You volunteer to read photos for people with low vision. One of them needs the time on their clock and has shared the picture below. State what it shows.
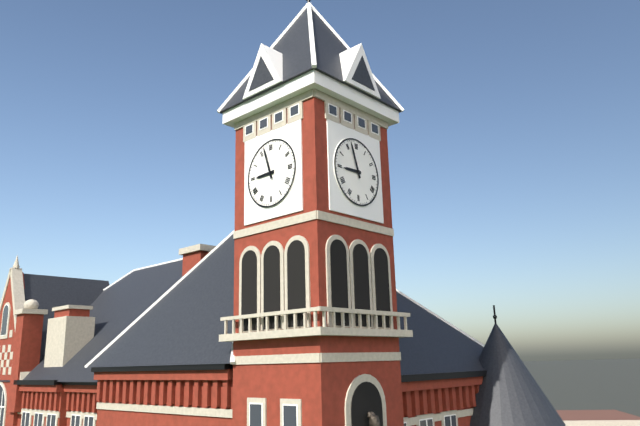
8:57
